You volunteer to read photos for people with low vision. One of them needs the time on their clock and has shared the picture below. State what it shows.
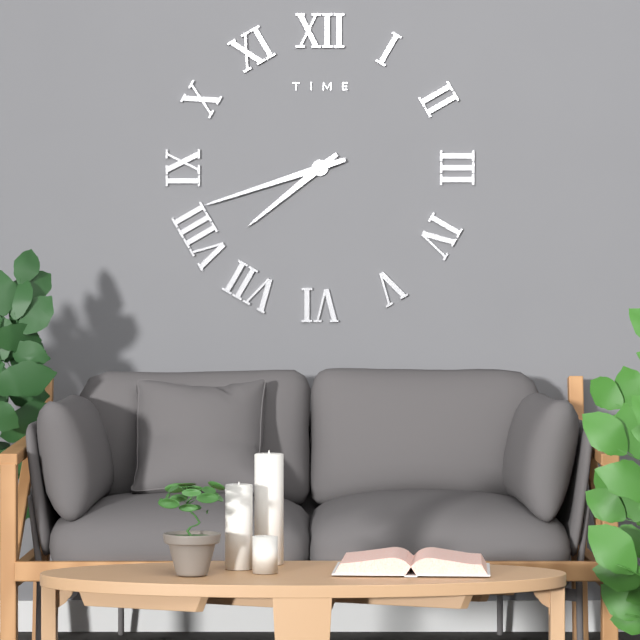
7:42
